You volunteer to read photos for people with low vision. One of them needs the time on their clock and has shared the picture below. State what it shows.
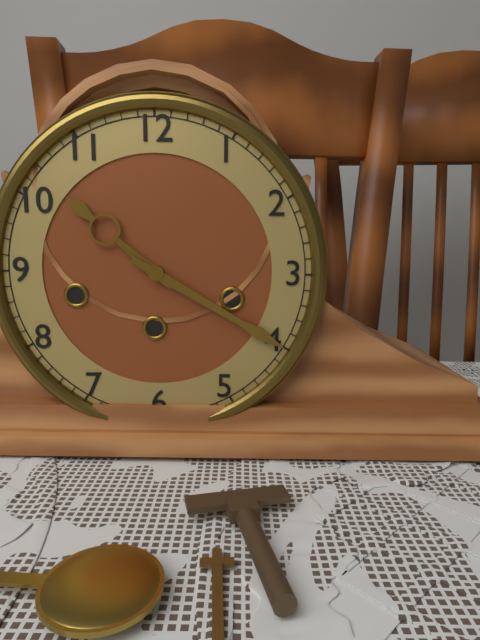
10:20
